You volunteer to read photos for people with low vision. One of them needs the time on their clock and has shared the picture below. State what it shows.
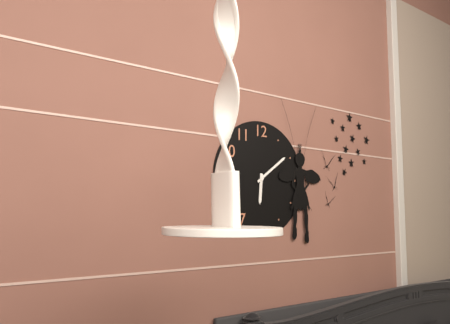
6:09
